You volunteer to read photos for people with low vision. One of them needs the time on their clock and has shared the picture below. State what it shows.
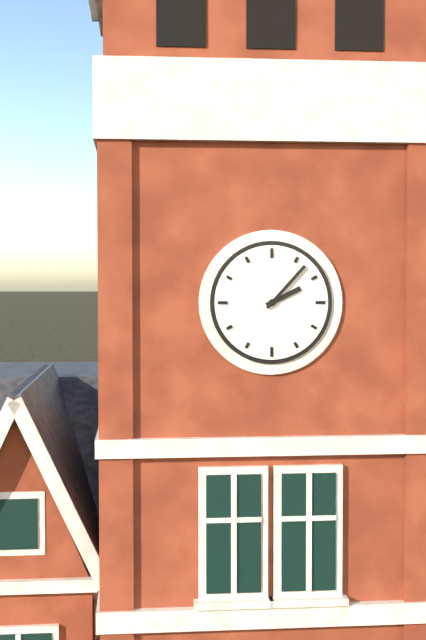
2:07
